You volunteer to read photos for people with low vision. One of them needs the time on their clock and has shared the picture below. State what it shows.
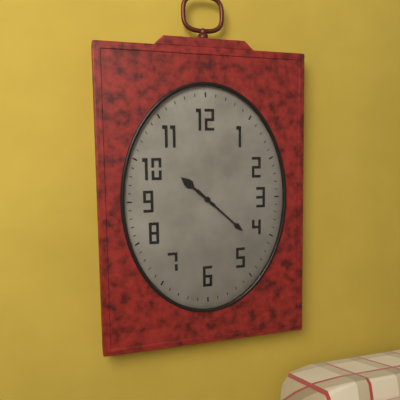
10:22
